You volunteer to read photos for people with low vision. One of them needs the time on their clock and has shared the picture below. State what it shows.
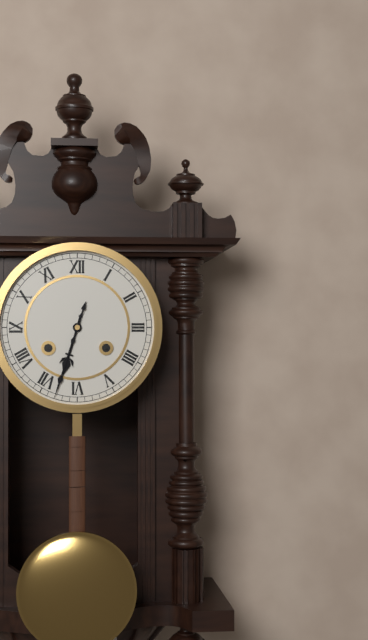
6:33
